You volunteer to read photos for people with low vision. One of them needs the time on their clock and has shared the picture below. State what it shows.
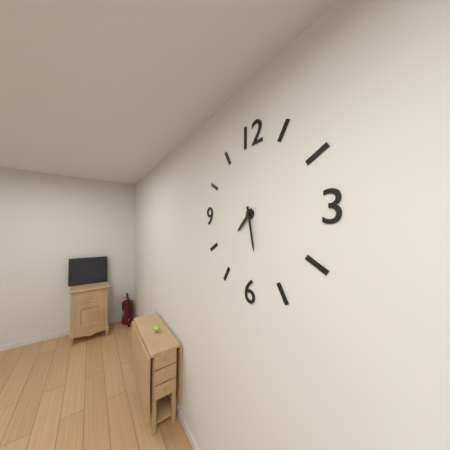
7:28
